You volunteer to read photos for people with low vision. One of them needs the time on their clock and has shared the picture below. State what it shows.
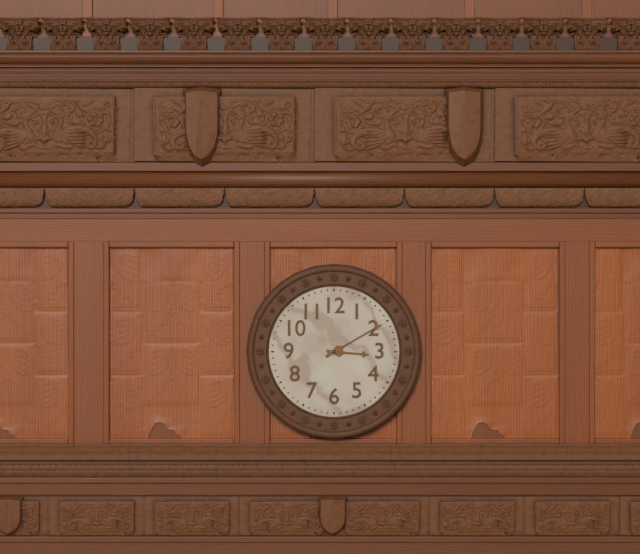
3:10
